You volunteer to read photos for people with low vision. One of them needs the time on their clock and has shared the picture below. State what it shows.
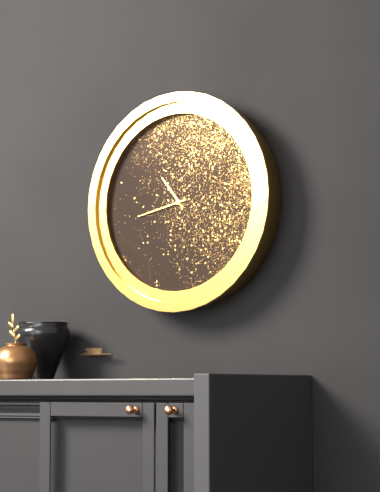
10:43
